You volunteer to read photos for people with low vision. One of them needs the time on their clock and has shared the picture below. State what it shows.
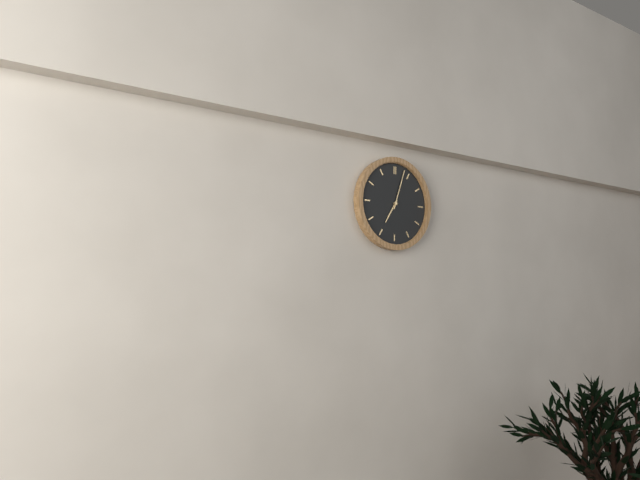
7:03
